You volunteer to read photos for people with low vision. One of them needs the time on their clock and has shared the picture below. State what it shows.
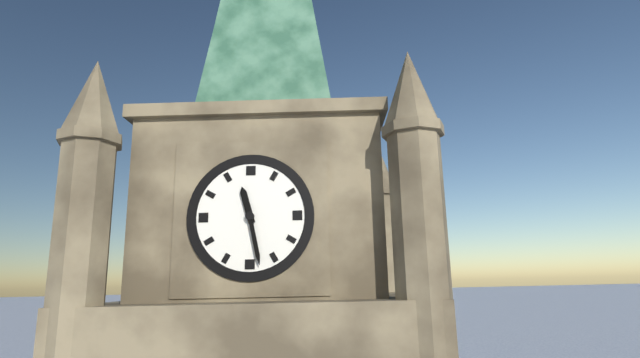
11:28
